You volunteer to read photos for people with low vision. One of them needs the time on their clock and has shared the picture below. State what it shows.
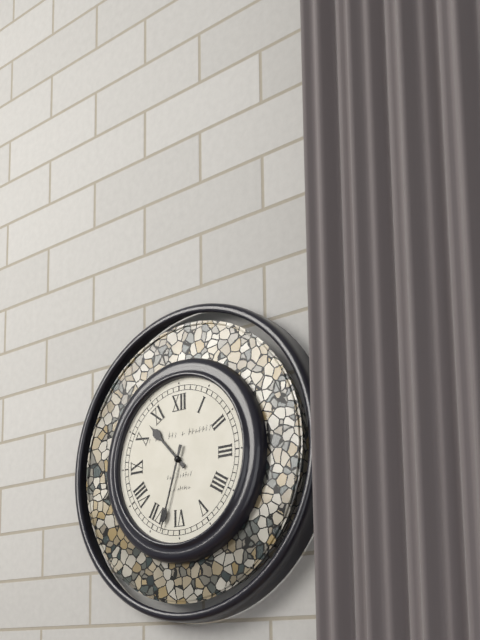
10:33
